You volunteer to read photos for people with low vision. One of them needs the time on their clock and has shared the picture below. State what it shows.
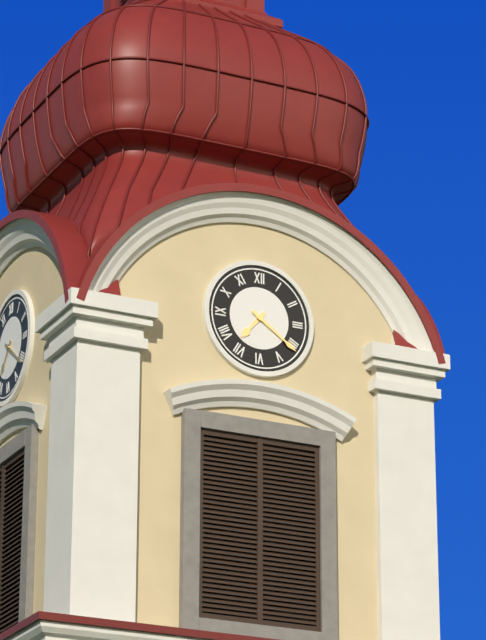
7:21
